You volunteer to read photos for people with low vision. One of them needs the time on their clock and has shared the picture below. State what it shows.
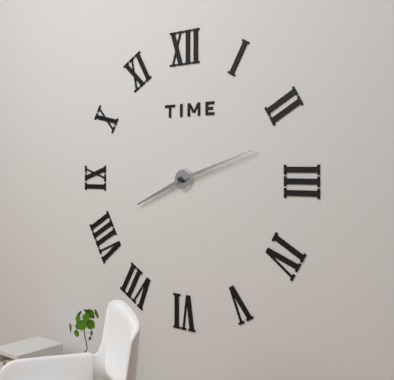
8:12
